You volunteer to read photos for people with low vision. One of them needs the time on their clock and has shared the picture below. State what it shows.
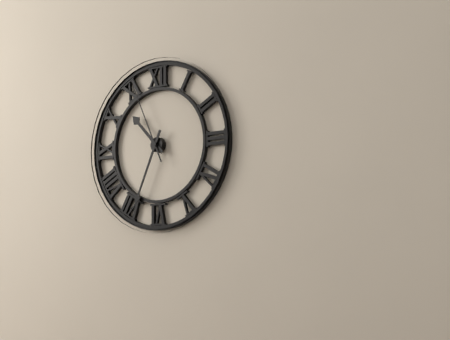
10:34:56
